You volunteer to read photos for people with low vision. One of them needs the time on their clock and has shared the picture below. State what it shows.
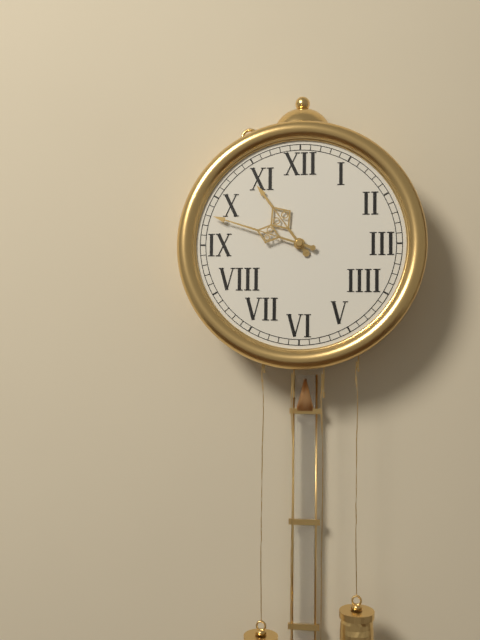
10:48
